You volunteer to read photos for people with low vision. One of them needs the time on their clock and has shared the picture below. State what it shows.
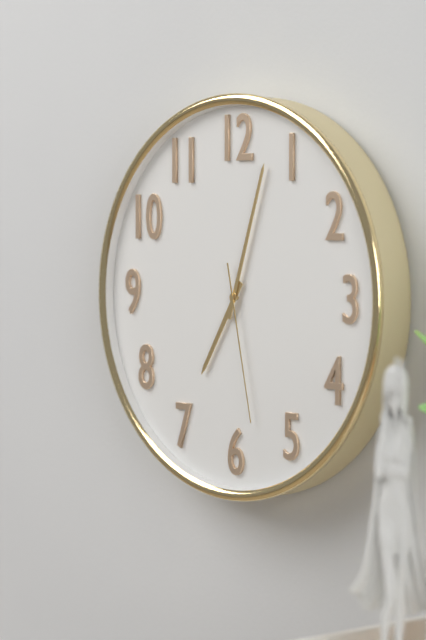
7:03:28
